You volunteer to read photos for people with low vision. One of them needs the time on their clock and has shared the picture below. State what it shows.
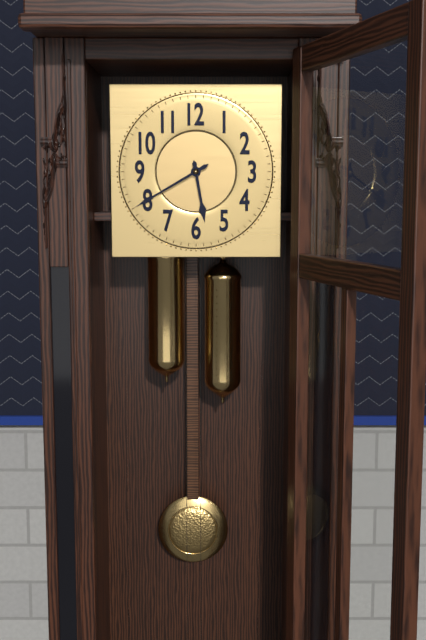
5:40
